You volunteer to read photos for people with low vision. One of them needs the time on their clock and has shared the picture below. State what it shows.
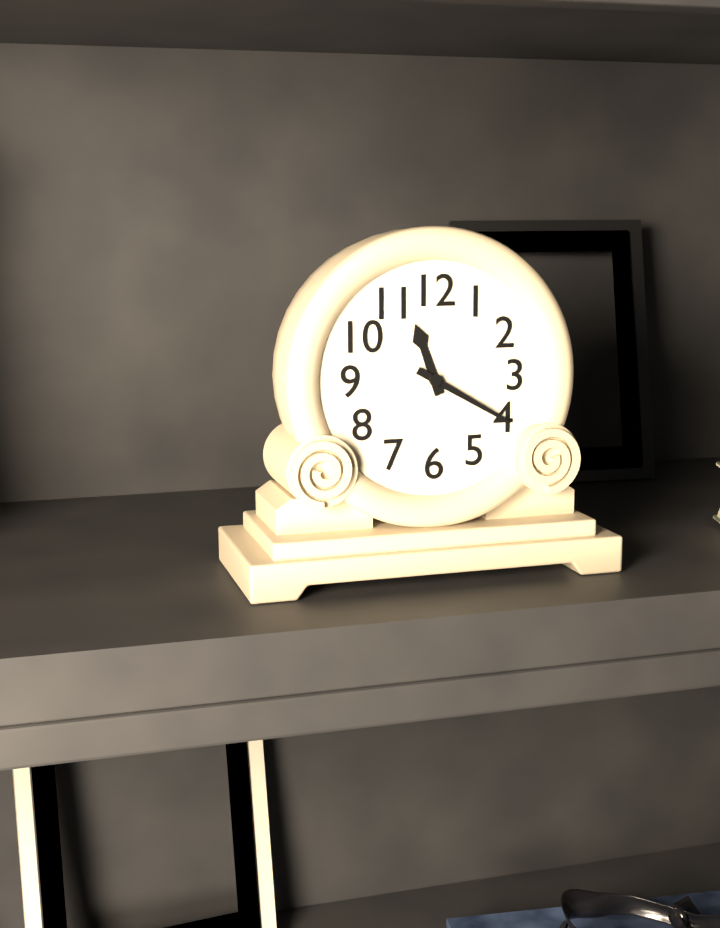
11:20
